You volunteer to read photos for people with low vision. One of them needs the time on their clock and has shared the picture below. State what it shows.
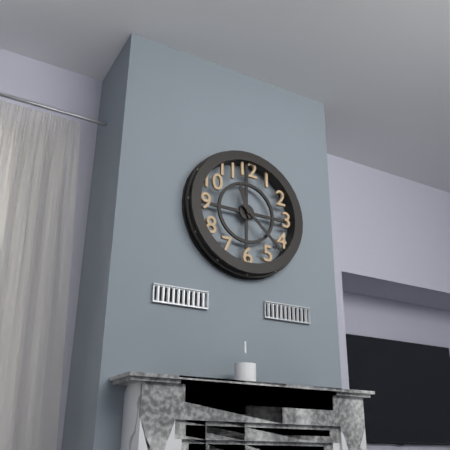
11:22
